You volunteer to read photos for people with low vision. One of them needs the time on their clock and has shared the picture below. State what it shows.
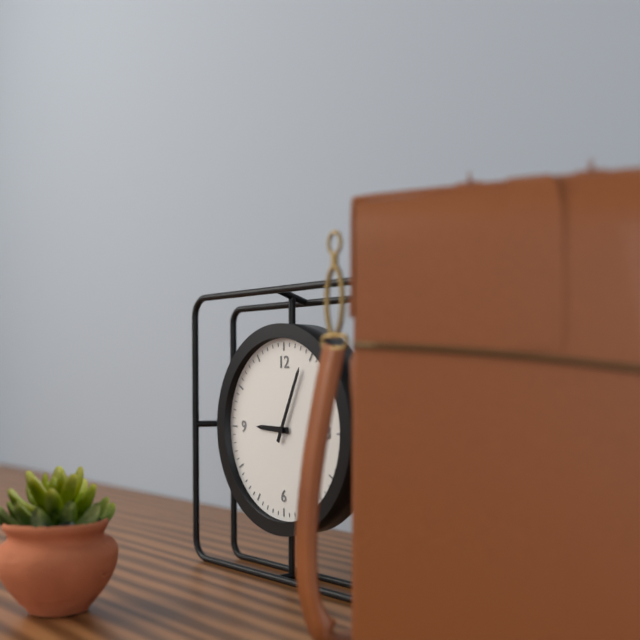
9:04
